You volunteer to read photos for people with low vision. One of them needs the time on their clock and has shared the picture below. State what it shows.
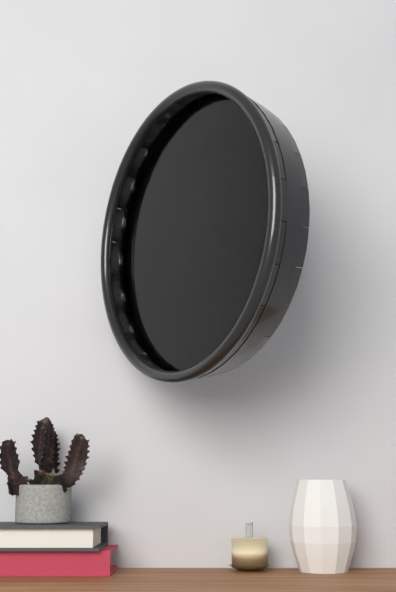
10:59
